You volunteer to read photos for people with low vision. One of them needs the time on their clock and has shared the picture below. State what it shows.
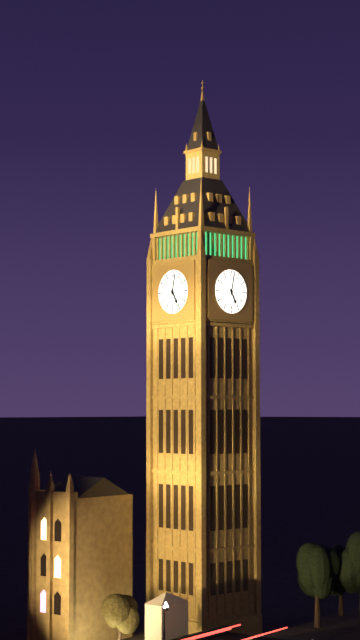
5:02
